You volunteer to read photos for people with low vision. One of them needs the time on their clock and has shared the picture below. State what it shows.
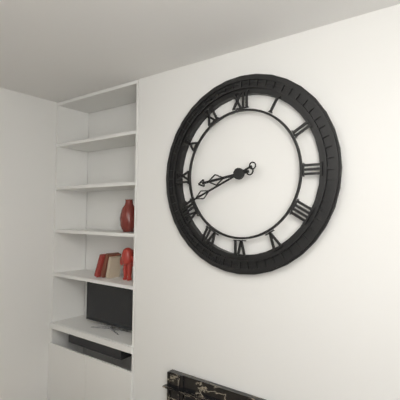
8:41
